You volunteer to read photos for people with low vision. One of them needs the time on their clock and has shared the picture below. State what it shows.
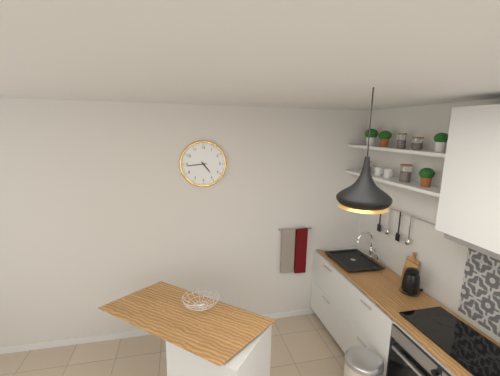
4:44
